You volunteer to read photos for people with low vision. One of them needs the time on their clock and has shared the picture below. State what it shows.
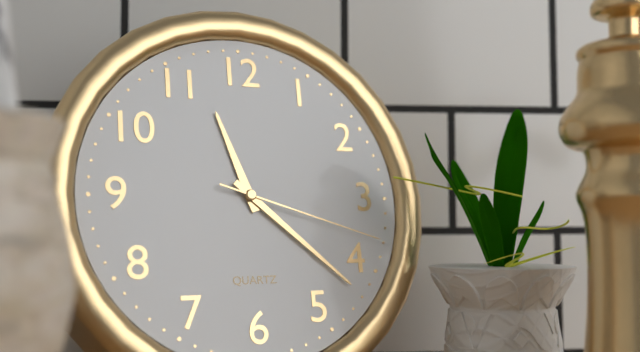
11:22:18
